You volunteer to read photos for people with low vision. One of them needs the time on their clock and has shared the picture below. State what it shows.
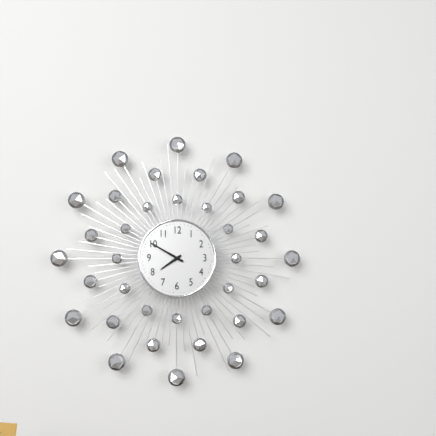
7:50
